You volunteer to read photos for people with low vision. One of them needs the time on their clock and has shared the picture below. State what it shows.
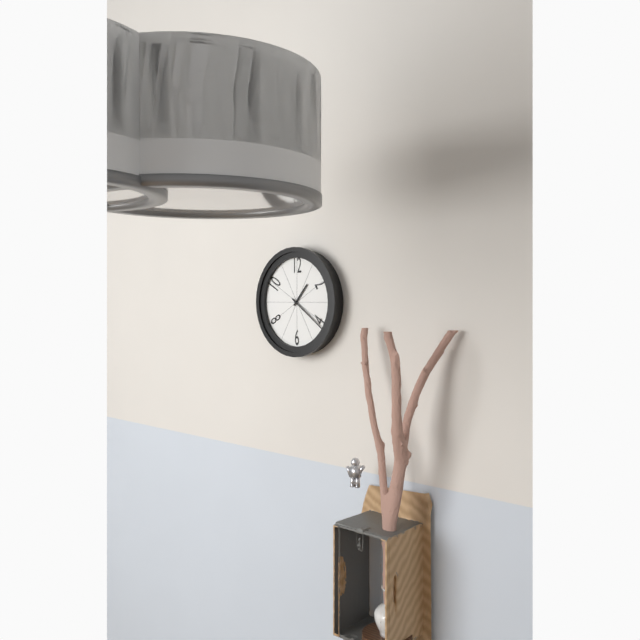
1:21
